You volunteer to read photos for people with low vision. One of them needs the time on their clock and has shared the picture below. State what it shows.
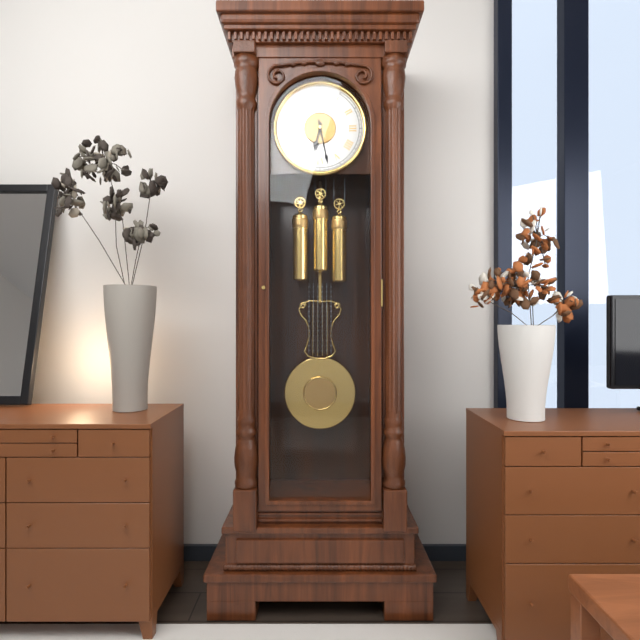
6:28
